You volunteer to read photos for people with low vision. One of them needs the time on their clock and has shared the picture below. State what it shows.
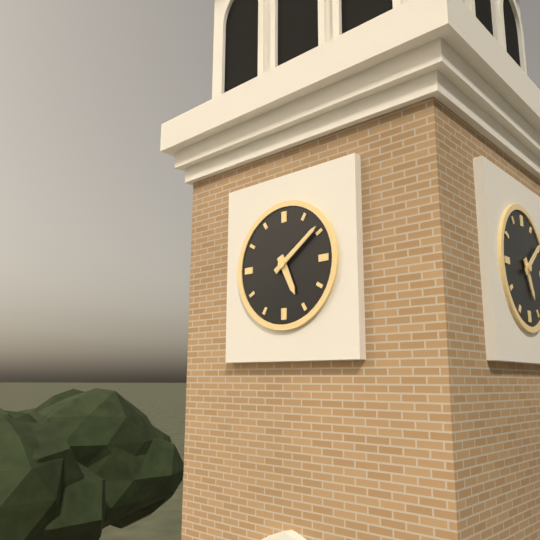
5:09
